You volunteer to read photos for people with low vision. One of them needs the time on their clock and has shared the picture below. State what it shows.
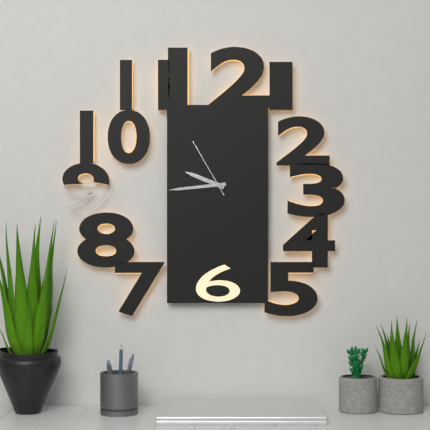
9:44:55
